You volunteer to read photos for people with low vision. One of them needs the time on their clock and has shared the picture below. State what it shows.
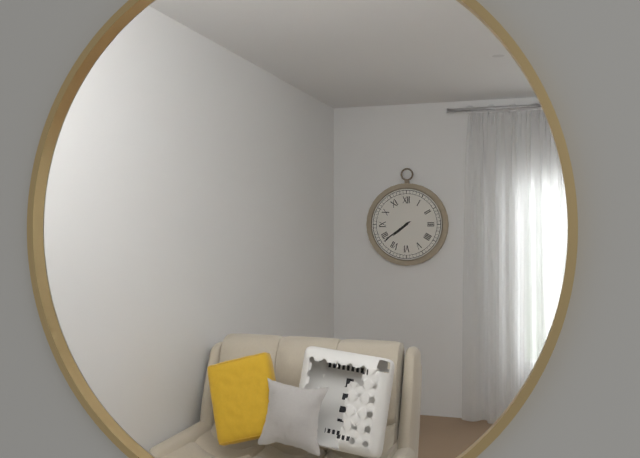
7:39
